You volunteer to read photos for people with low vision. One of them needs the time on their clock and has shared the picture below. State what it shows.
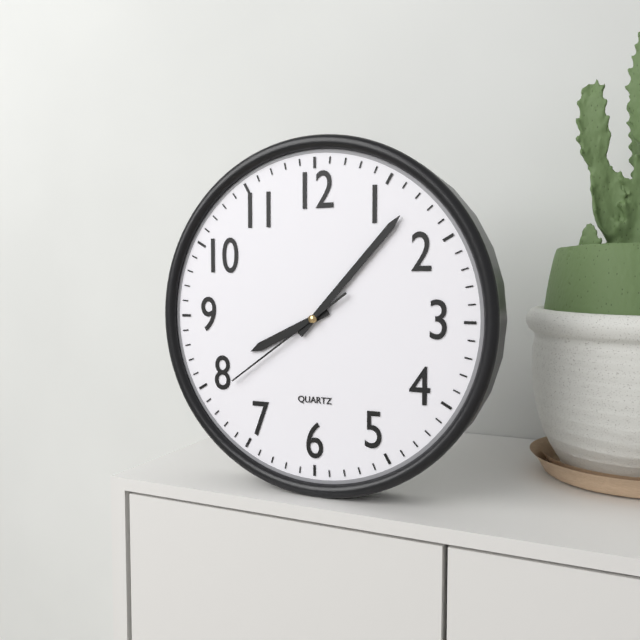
8:07:39
